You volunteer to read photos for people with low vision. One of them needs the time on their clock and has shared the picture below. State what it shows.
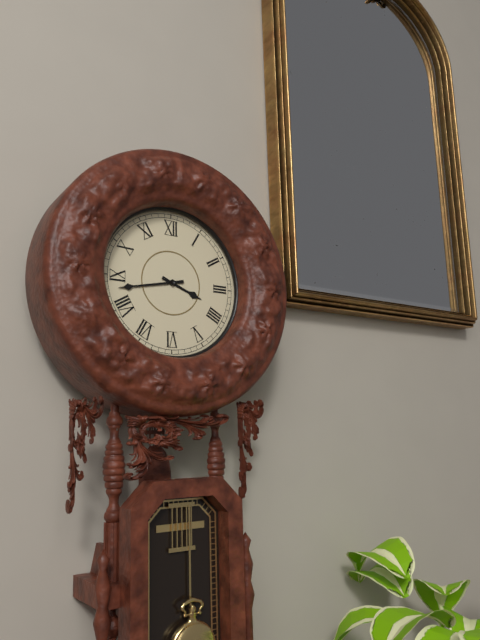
3:43
